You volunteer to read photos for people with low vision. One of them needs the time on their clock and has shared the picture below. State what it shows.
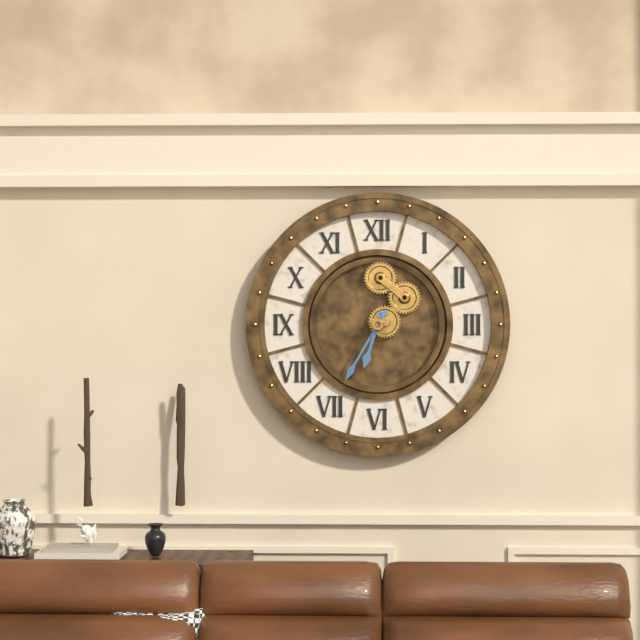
6:35
